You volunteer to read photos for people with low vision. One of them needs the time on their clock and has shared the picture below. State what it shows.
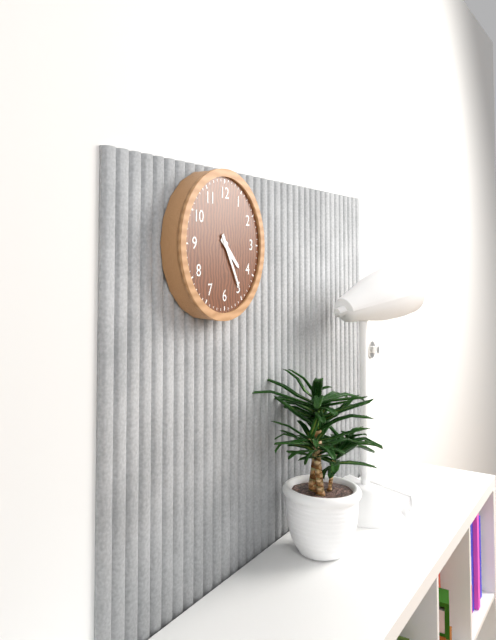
4:25
